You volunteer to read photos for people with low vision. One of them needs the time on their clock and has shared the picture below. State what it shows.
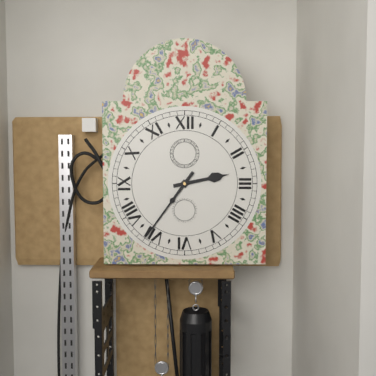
2:36
